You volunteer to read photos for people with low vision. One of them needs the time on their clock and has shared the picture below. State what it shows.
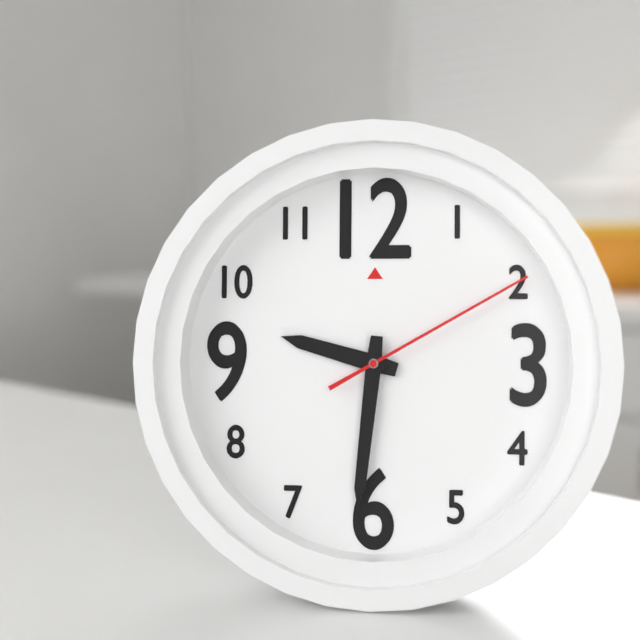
9:31:10
